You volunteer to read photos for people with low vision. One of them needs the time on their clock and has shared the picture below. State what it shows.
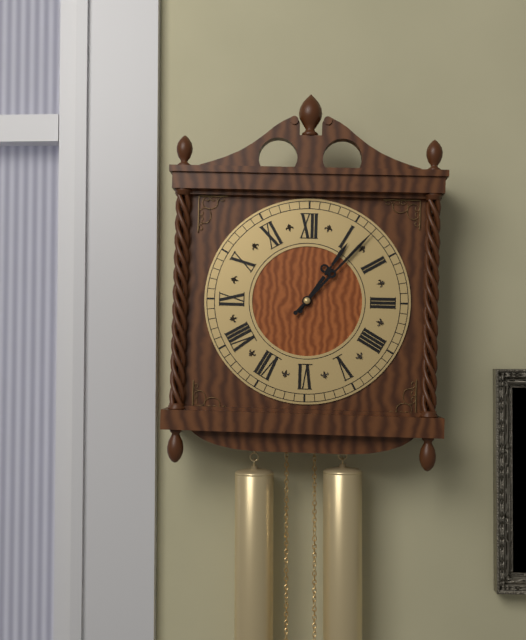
1:07
